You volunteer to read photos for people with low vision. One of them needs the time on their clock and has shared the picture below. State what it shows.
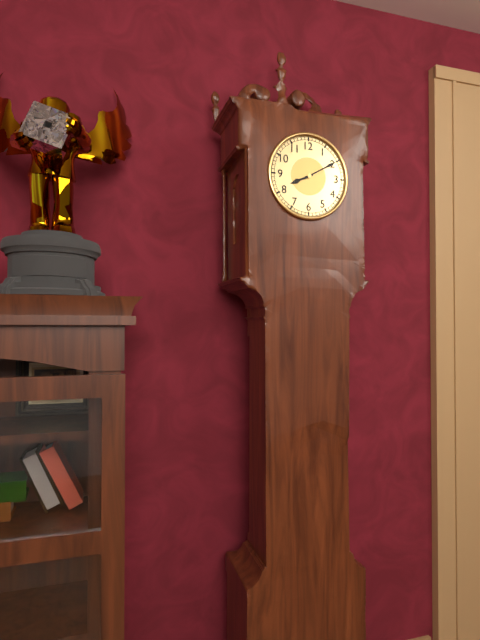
8:10
